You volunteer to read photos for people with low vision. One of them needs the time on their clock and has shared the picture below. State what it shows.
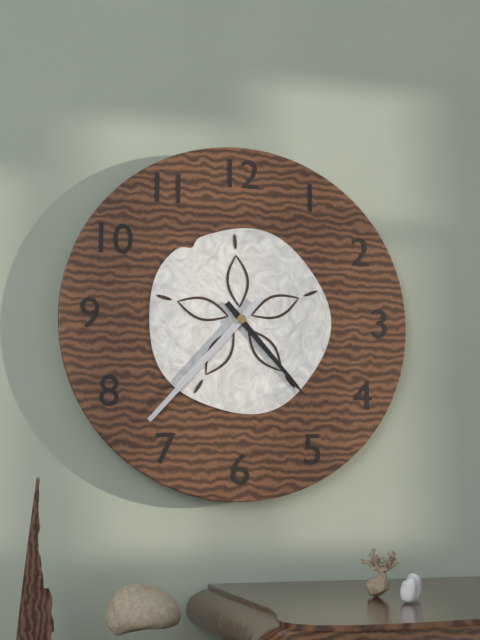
4:37
